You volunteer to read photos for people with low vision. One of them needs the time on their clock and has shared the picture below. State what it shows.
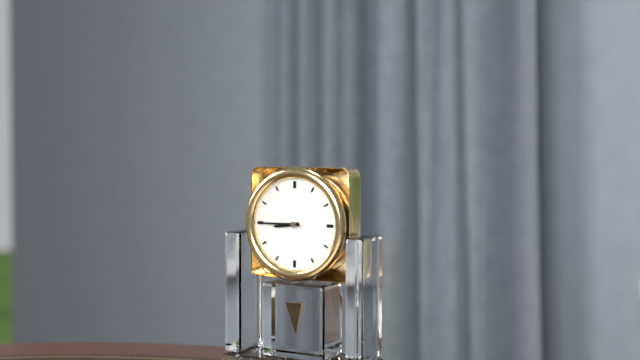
8:45
